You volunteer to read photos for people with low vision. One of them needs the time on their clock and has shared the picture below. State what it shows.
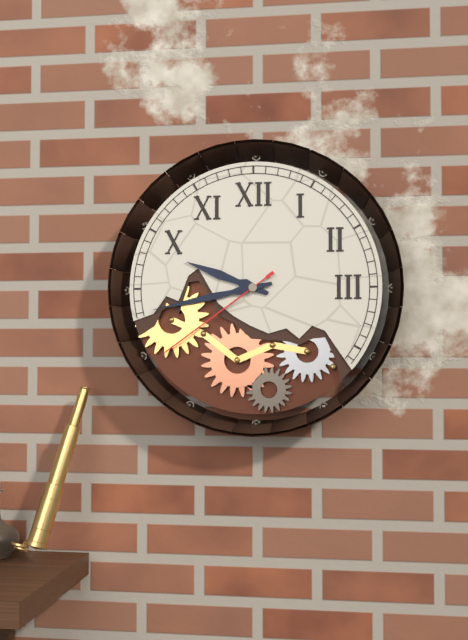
9:43:39
